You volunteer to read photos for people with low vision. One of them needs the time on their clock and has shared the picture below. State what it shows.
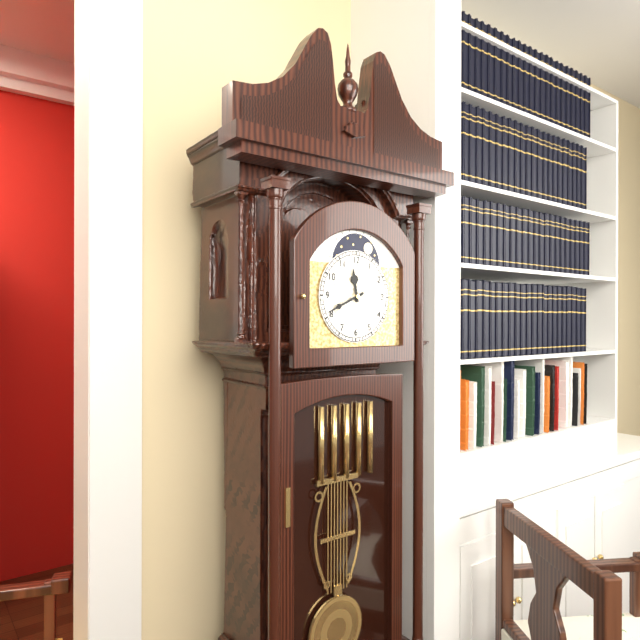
11:41
